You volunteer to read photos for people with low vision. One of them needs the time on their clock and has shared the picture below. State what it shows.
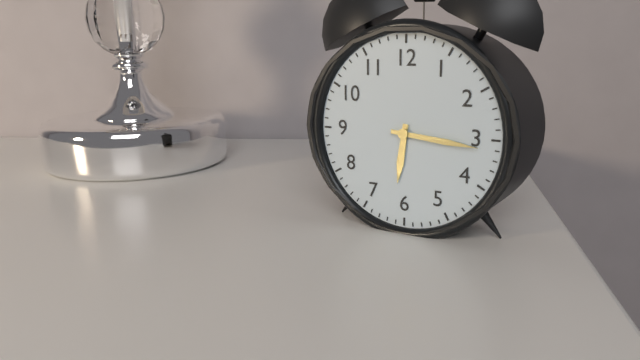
6:16
